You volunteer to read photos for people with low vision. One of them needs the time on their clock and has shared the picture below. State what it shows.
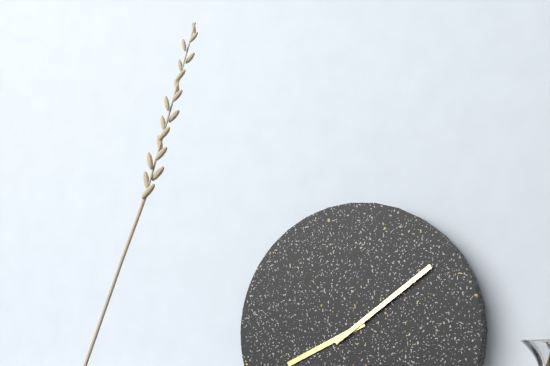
8:09
